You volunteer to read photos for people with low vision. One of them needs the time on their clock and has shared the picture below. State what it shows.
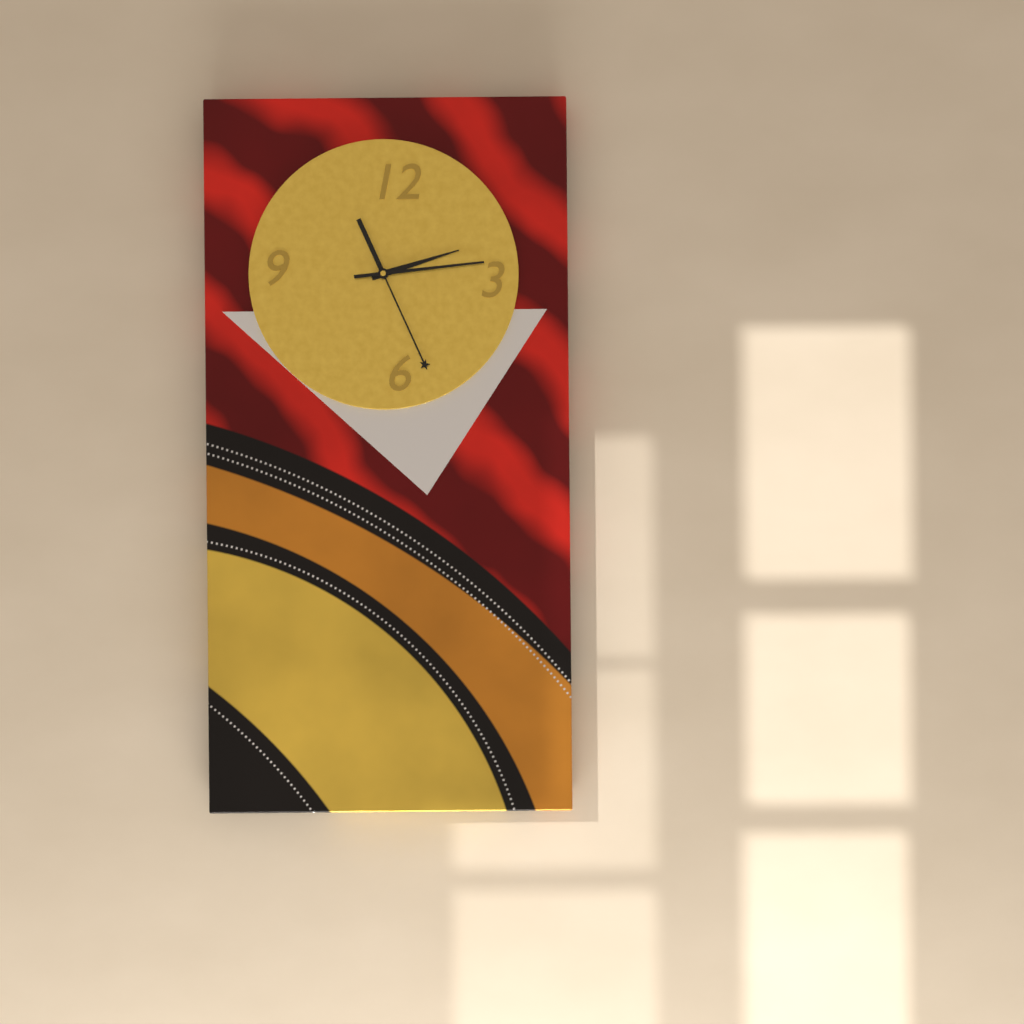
2:26:14
